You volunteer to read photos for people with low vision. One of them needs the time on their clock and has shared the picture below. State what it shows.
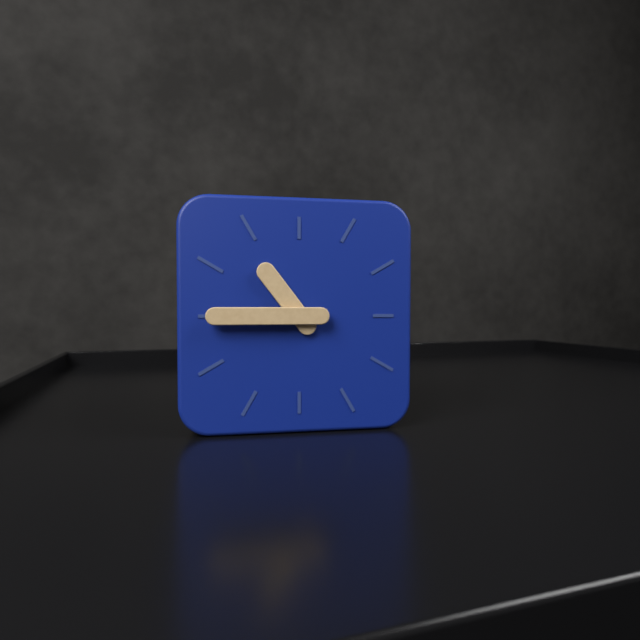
10:45
